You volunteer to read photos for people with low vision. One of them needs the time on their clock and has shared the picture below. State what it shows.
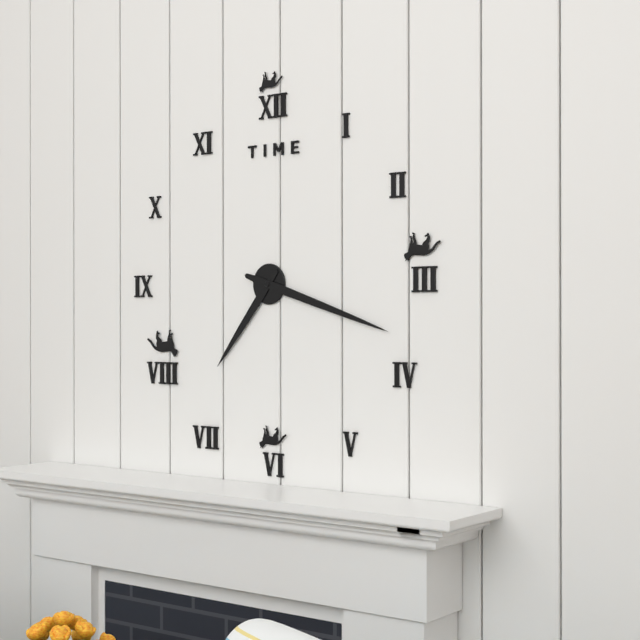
7:18
